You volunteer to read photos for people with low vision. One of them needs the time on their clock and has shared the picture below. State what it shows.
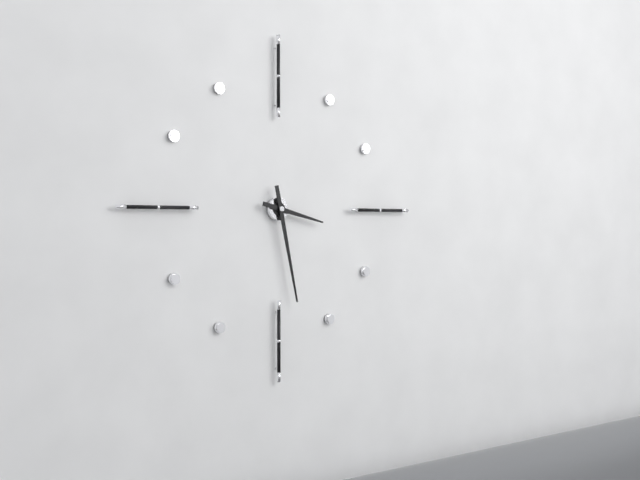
3:28
